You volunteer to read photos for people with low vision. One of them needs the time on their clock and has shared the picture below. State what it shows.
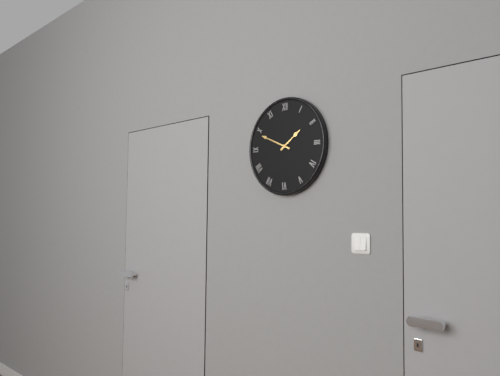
1:49
